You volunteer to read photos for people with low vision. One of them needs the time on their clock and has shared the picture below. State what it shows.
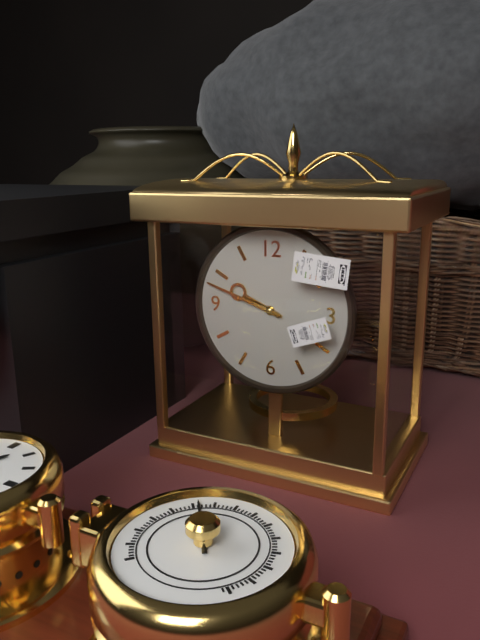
9:48
